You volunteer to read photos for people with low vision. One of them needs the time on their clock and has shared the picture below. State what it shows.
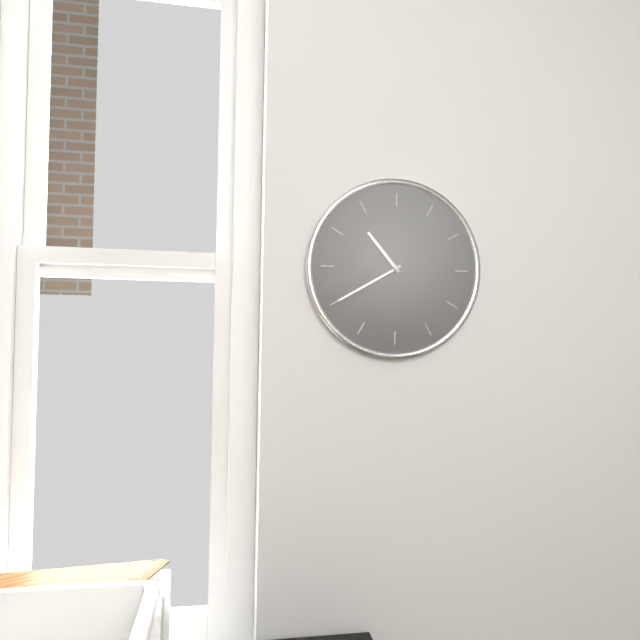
10:40
